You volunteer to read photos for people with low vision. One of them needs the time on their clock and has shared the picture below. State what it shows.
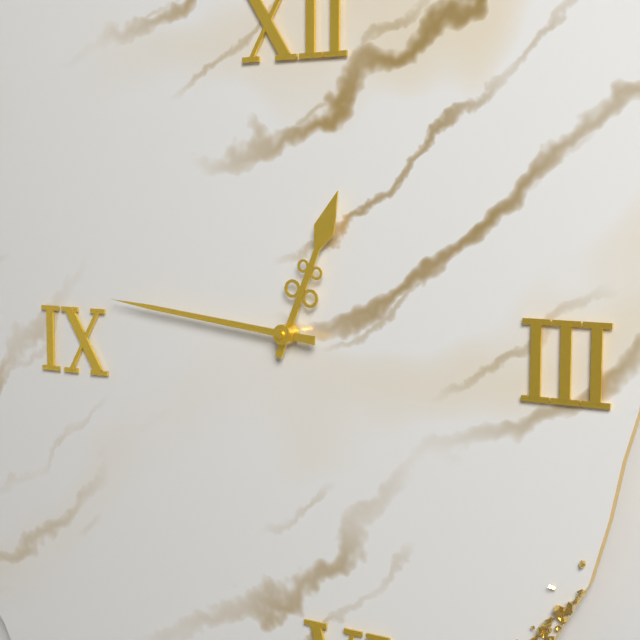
12:46
